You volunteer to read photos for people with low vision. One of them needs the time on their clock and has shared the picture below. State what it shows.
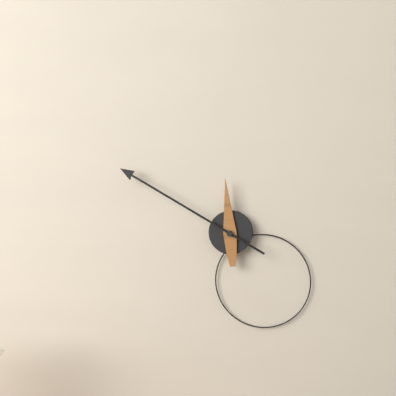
11:50
